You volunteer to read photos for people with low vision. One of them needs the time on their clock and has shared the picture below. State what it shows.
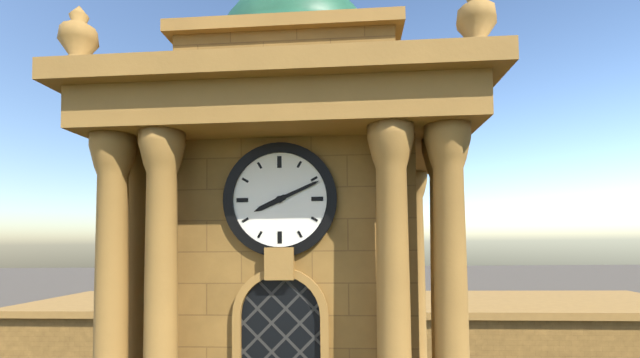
8:11
